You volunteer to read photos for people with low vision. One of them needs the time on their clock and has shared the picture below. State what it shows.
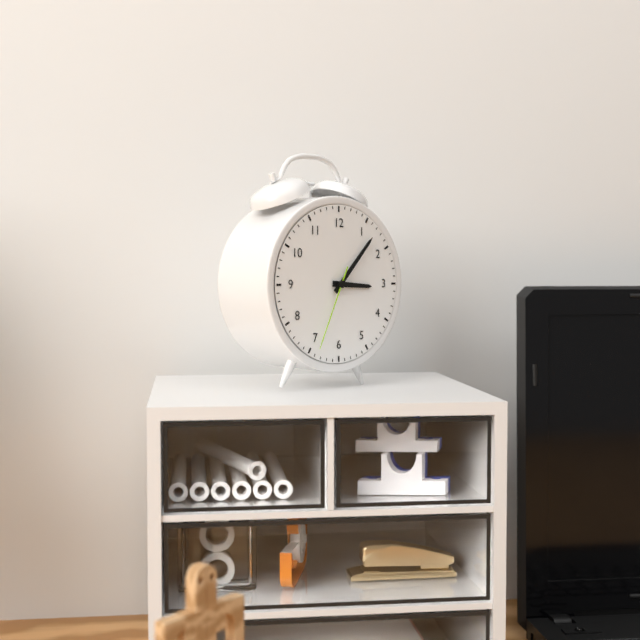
3:07:34
